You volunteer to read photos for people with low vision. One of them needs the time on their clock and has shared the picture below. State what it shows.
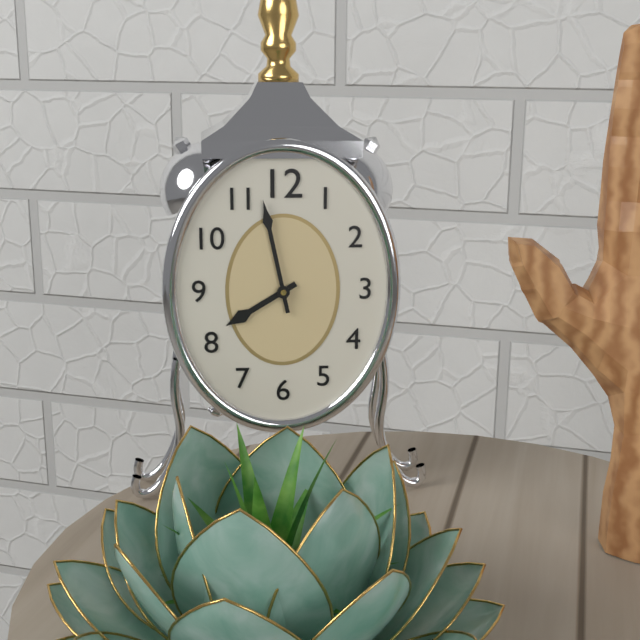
7:58
